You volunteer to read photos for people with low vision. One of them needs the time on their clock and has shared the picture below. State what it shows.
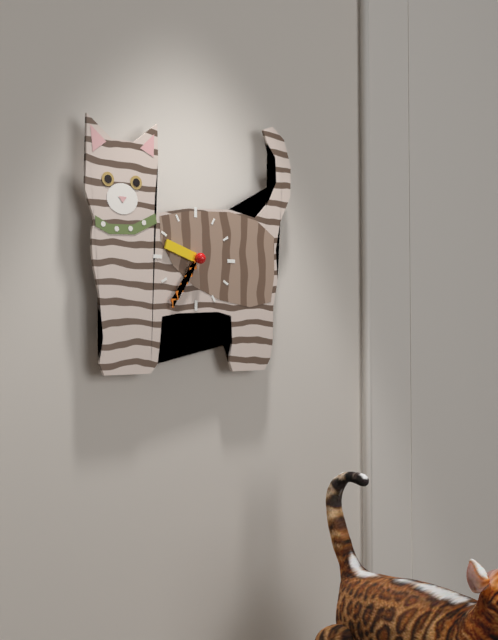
9:36
